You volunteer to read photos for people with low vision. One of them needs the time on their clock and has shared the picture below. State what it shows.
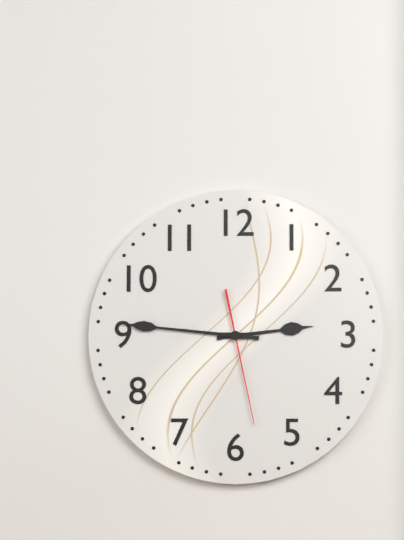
2:46:28
